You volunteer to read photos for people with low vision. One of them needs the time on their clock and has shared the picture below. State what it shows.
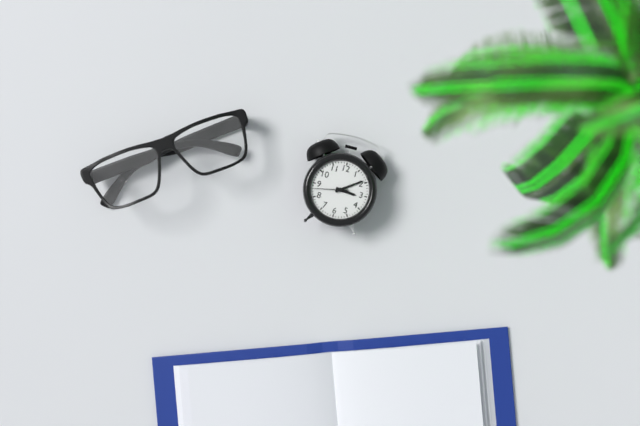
3:09
